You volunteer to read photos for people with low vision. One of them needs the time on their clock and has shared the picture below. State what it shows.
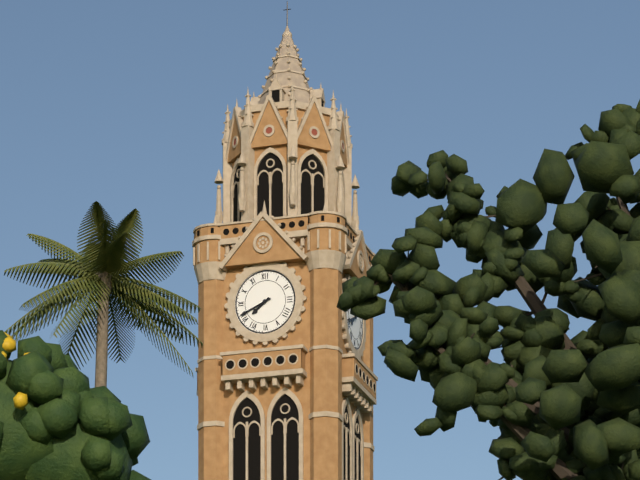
7:41
